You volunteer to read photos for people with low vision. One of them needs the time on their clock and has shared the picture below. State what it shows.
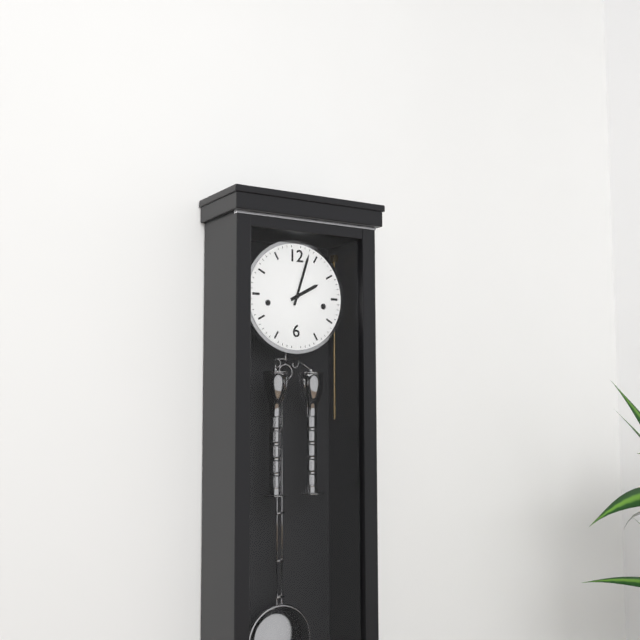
2:03
